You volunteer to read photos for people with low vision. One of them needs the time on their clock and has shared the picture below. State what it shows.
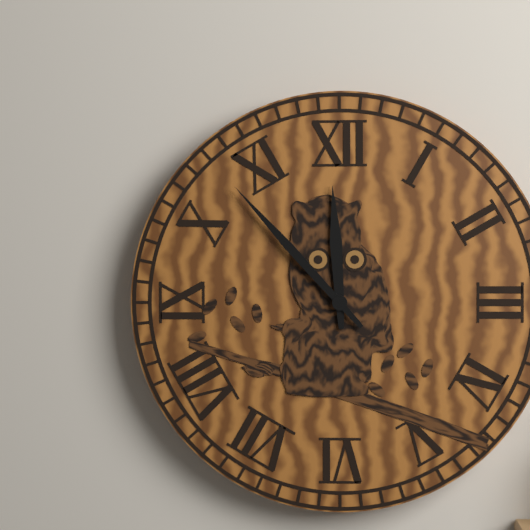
11:53
